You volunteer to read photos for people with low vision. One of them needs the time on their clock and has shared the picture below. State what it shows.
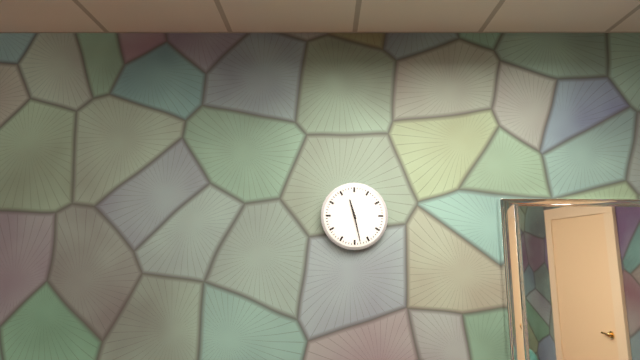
11:28
